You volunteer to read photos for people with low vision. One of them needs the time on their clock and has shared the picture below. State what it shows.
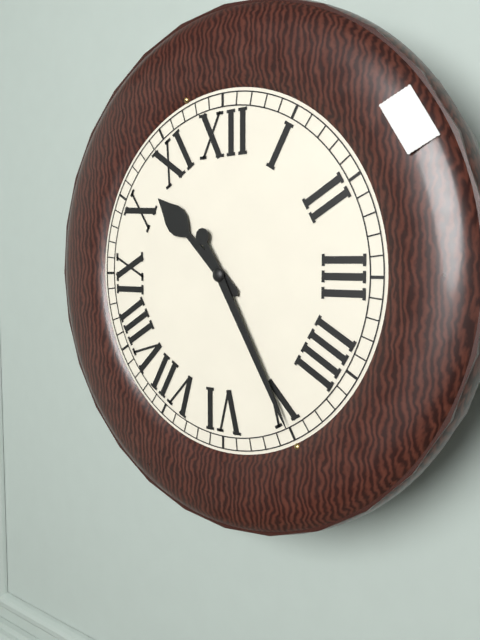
10:25
